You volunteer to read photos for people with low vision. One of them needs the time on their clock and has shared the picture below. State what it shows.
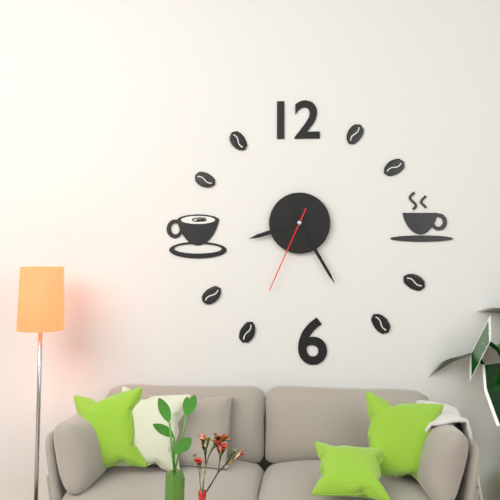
8:25:34
